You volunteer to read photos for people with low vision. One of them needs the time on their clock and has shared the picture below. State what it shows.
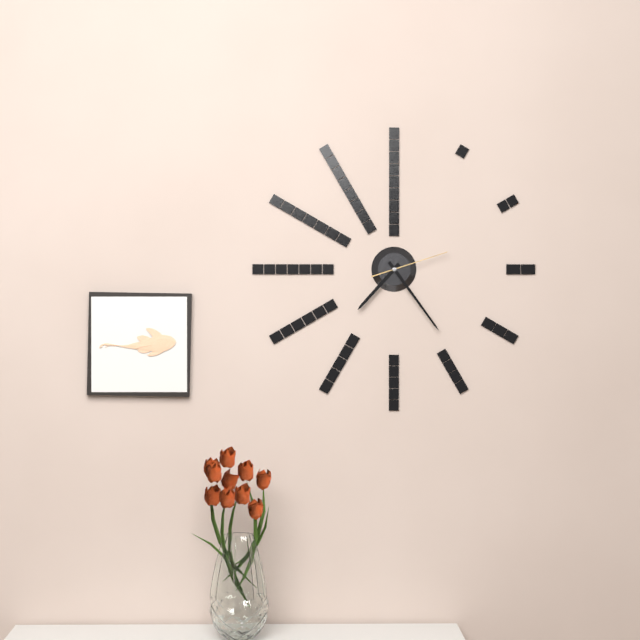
7:24:12
